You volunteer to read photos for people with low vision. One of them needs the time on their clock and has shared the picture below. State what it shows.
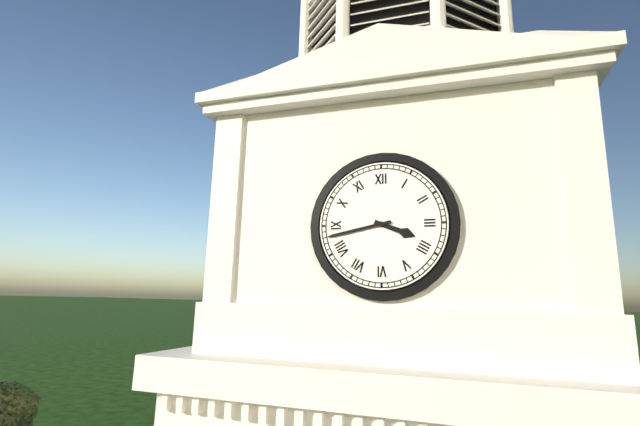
3:43
